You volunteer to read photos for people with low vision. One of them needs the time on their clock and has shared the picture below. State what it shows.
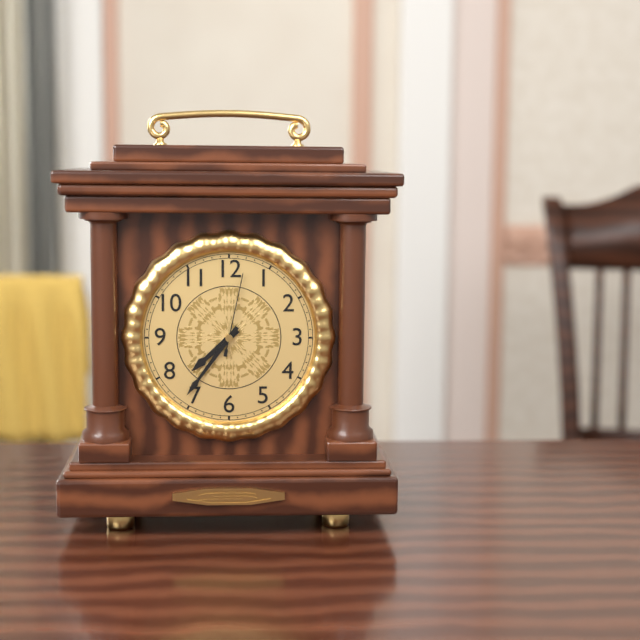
7:36:02
